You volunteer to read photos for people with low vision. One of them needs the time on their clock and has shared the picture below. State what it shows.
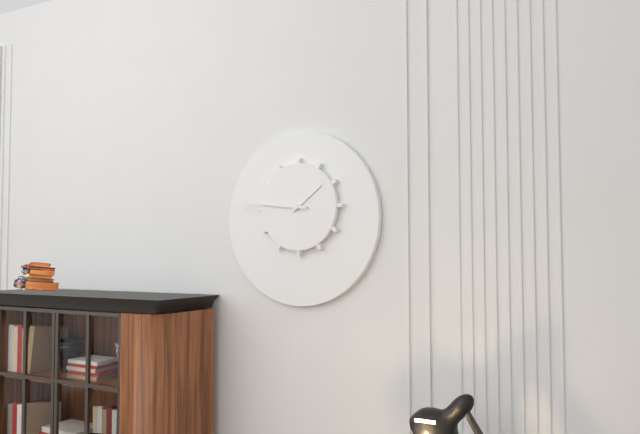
1:46
